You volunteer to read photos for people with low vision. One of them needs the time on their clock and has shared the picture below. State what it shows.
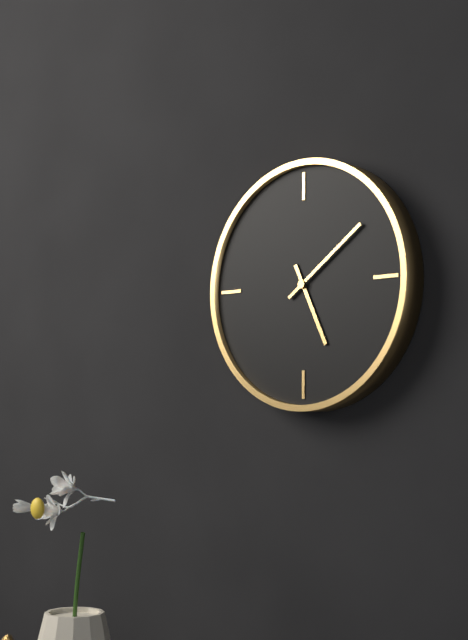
5:09
